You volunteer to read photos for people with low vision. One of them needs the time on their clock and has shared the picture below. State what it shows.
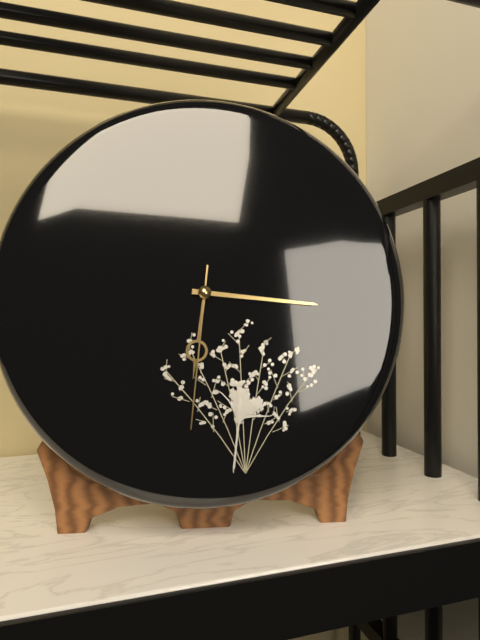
6:16:31
